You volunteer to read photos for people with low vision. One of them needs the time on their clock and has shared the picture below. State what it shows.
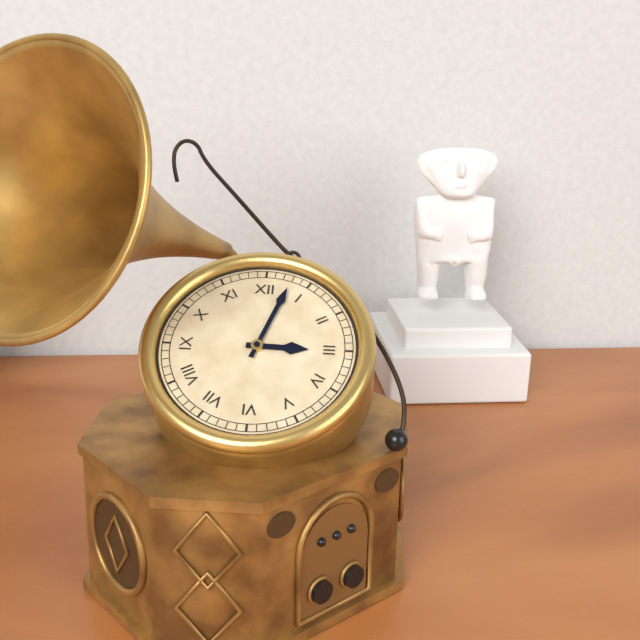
3:03
